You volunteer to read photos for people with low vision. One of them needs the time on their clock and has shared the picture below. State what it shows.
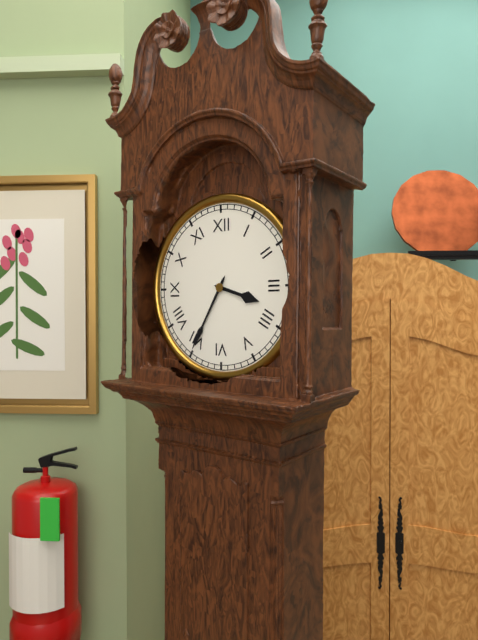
3:35
